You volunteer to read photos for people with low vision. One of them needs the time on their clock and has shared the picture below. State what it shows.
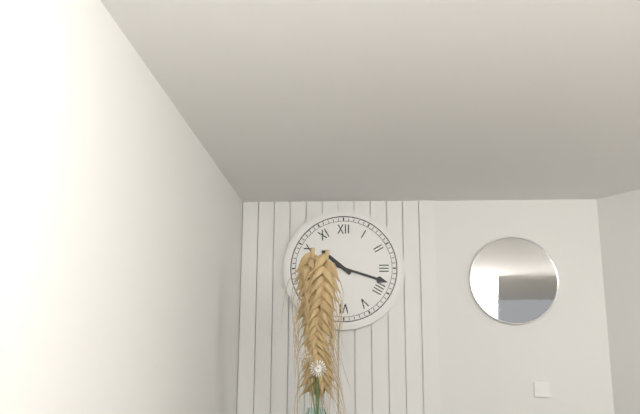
10:18
